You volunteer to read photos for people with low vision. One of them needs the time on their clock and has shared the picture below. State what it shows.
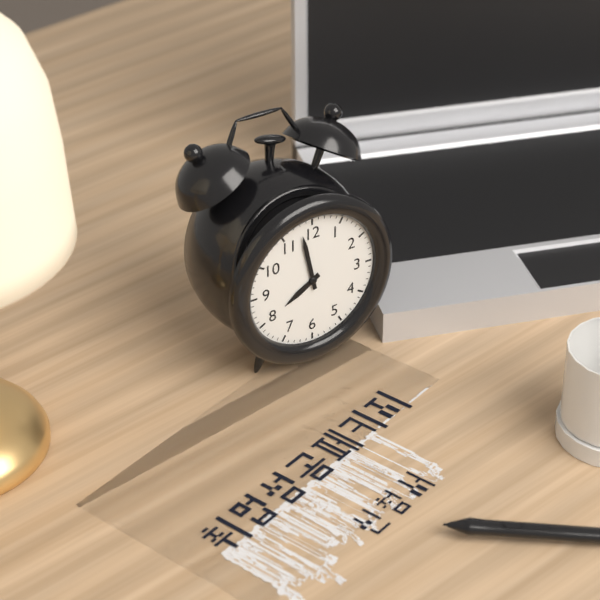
7:58
